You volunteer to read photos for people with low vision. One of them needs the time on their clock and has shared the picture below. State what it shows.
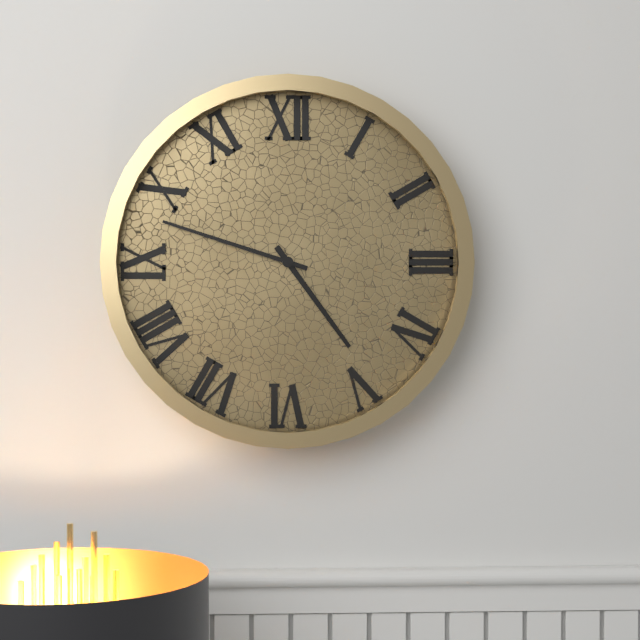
4:48
